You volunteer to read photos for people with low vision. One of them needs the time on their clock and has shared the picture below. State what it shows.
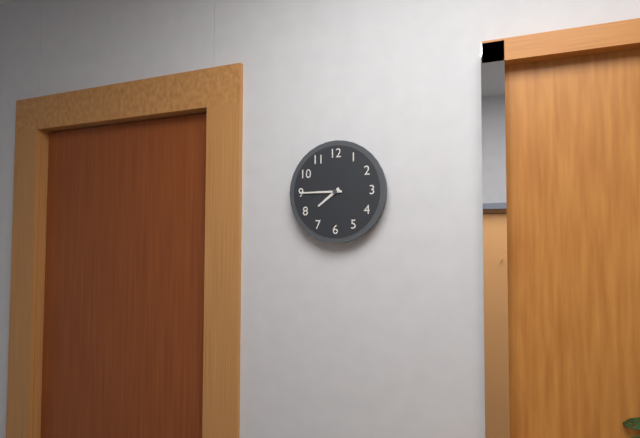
7:45
